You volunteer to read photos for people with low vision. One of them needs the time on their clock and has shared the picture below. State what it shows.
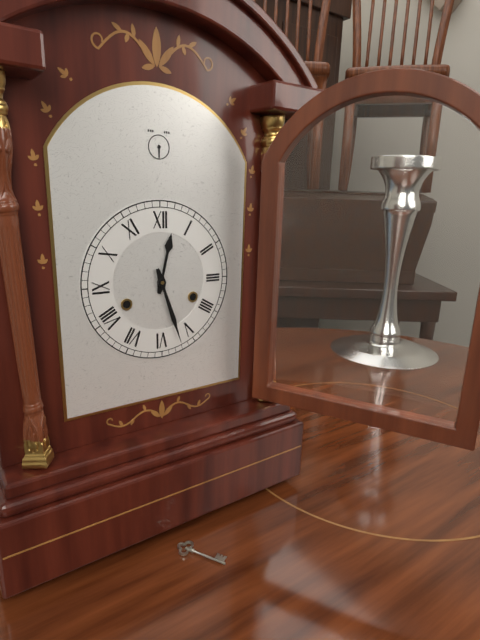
12:27
